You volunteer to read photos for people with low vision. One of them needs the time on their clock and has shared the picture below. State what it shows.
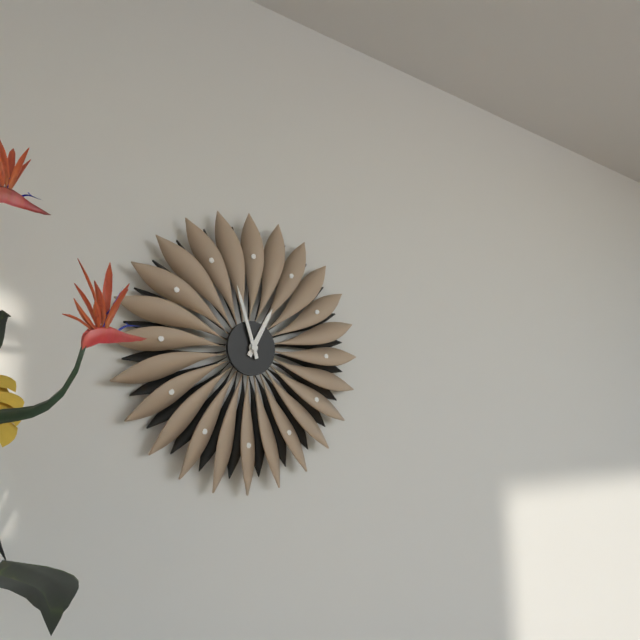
12:57
